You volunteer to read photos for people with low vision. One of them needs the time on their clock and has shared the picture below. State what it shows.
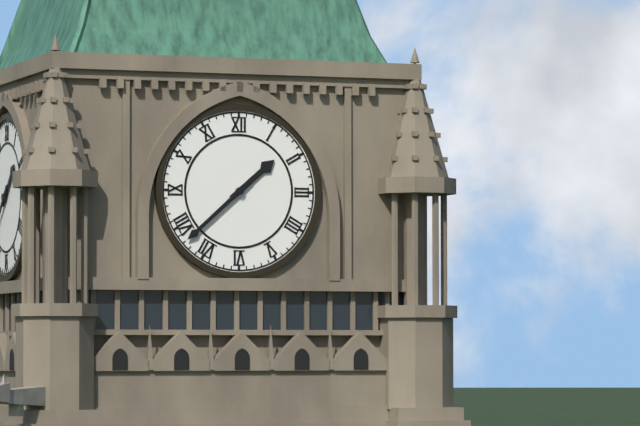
1:38
